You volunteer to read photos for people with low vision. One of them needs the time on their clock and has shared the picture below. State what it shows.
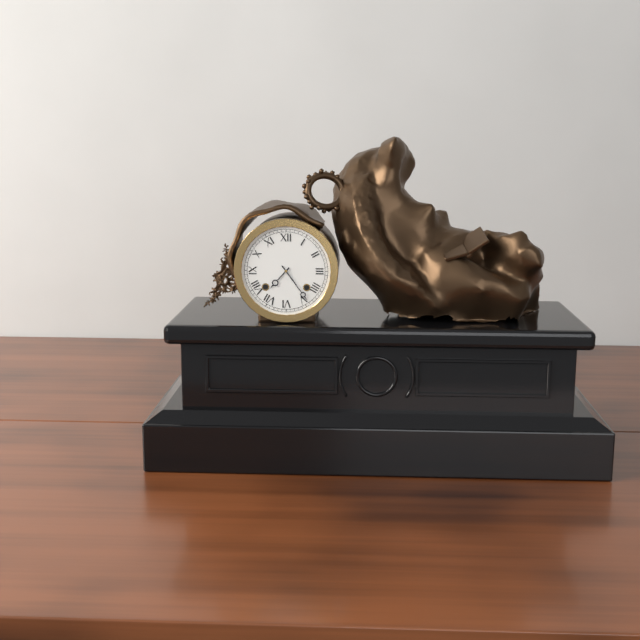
7:24
